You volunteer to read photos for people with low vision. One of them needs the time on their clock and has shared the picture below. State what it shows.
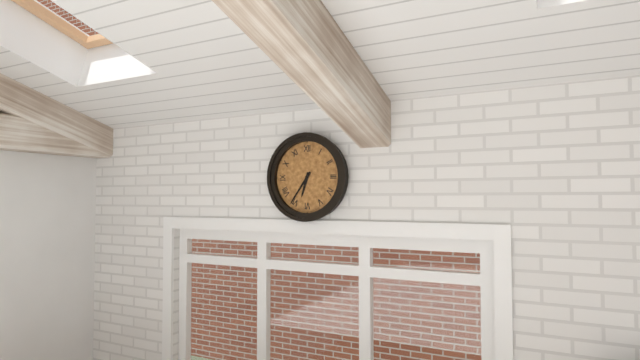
6:36
